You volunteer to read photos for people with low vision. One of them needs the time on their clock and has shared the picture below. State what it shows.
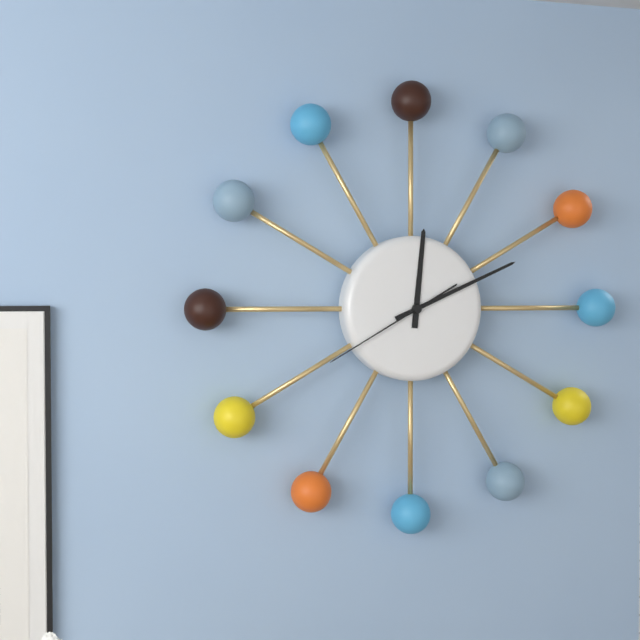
12:11:40
